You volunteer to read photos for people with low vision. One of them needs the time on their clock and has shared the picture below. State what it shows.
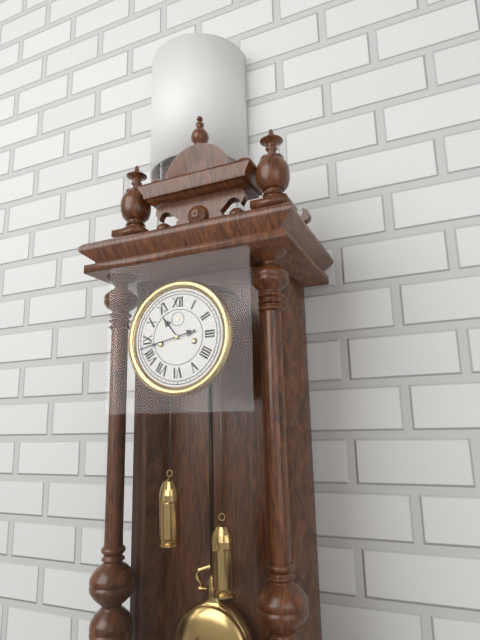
10:43
